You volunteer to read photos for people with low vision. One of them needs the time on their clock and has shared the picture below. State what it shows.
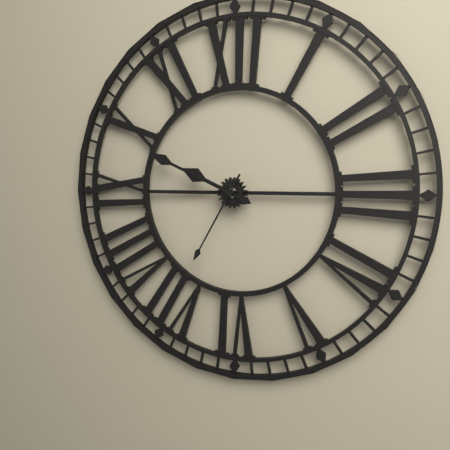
9:49:35
